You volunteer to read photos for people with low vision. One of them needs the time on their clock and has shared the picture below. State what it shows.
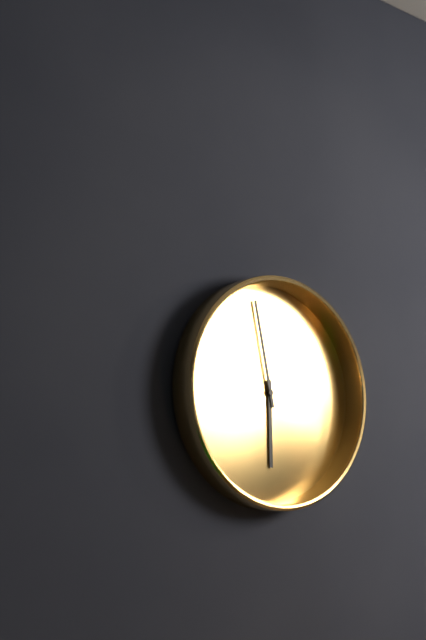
5:58
